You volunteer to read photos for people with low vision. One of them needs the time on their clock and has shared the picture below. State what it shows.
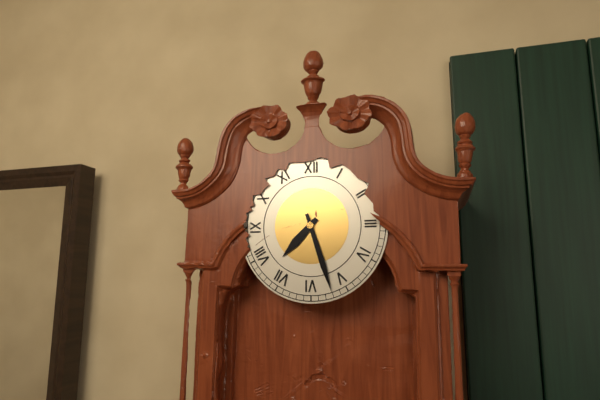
7:27
